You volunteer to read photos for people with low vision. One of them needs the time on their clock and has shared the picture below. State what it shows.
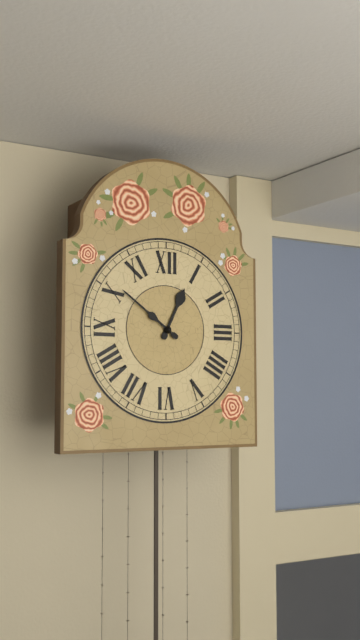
12:51
